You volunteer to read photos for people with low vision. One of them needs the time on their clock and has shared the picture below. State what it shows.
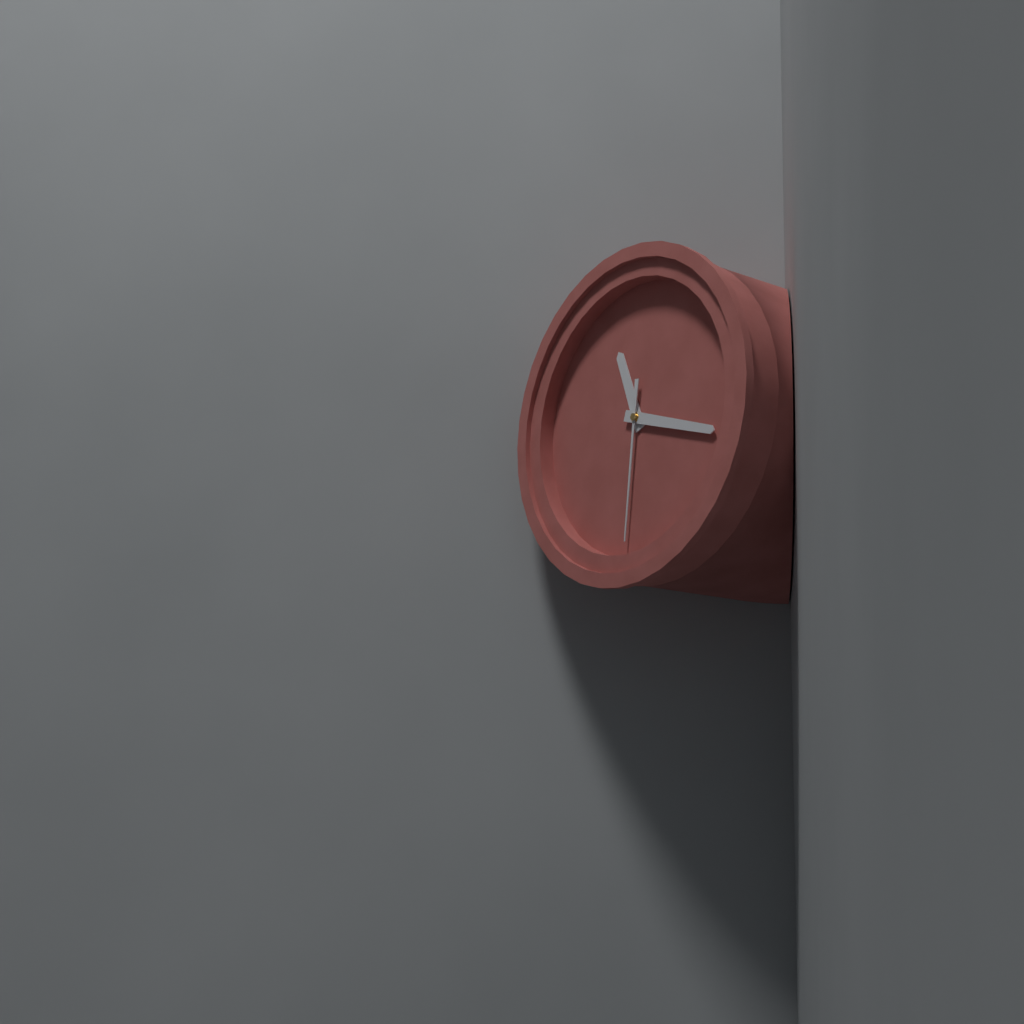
11:18:31
